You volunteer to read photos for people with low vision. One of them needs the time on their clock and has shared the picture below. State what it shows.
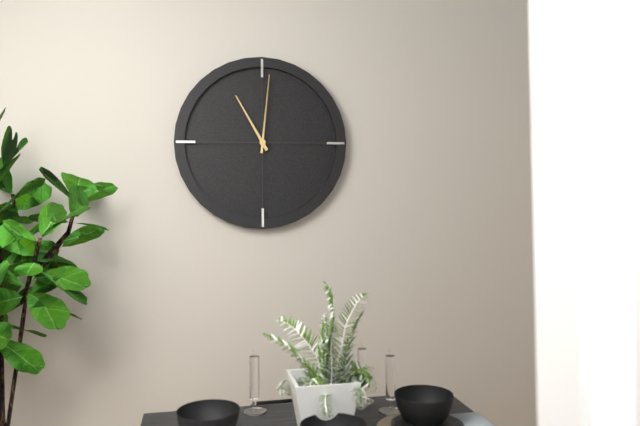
11:01
